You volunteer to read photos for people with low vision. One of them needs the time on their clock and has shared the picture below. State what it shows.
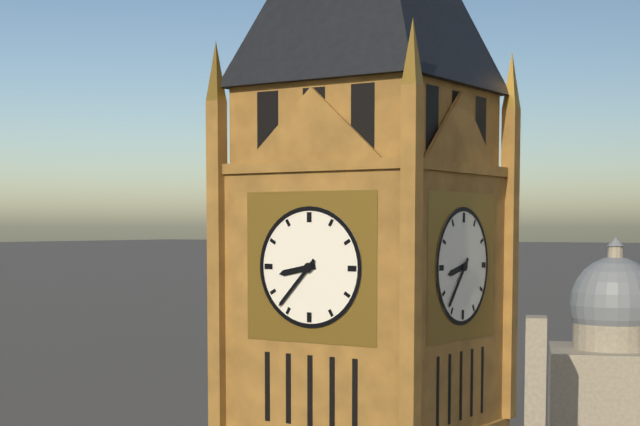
8:37
